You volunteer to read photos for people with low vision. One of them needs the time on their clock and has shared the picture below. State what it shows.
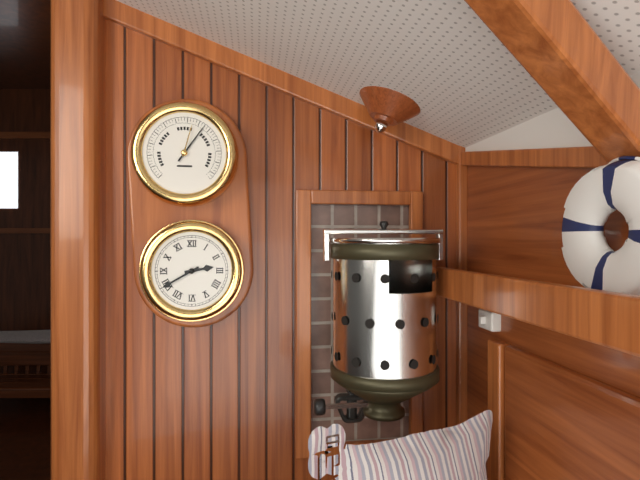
2:40
